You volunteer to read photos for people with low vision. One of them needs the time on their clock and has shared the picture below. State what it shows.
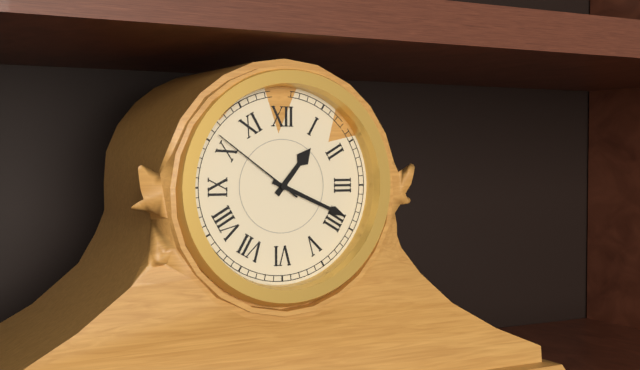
1:19:51
